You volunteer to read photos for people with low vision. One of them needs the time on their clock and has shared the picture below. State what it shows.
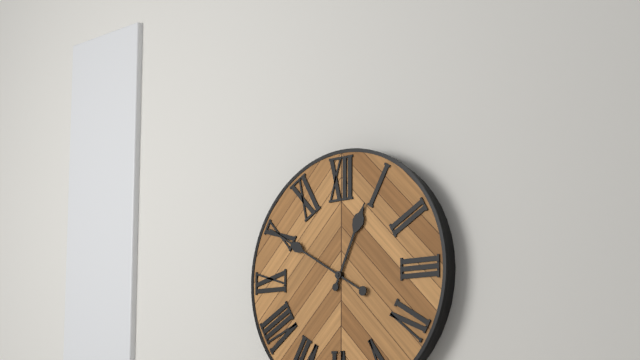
12:50
